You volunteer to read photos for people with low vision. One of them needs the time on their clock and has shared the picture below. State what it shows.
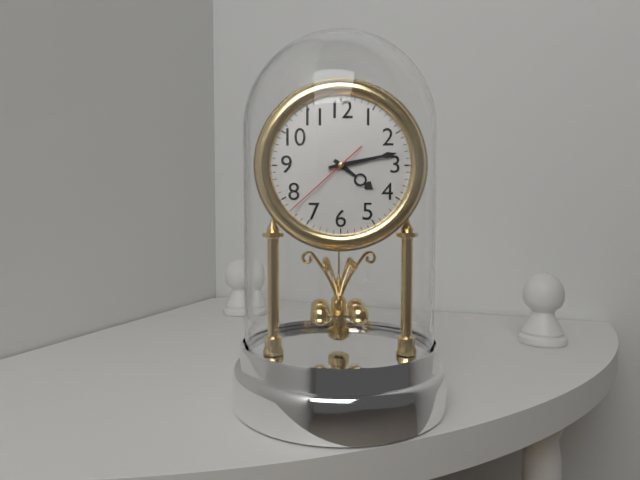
4:13:38
